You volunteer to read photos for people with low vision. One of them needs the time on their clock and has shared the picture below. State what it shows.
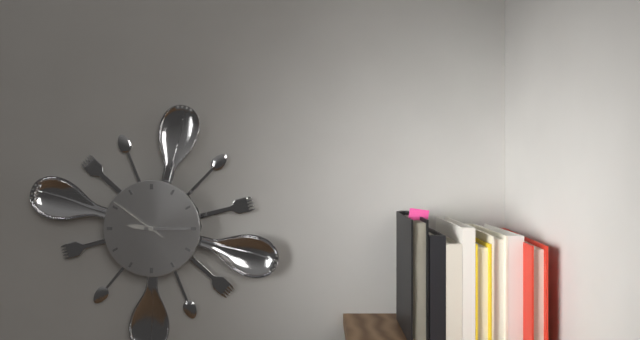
9:15:51
